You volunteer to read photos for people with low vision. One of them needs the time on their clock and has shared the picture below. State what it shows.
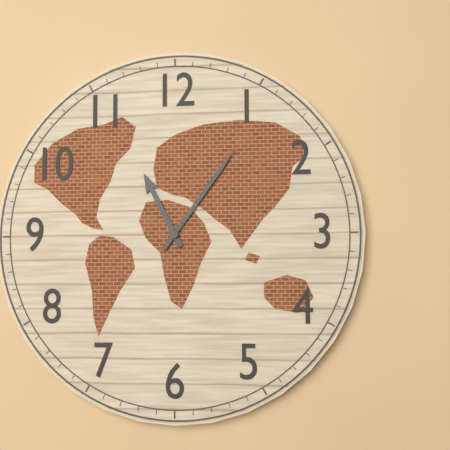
11:06
